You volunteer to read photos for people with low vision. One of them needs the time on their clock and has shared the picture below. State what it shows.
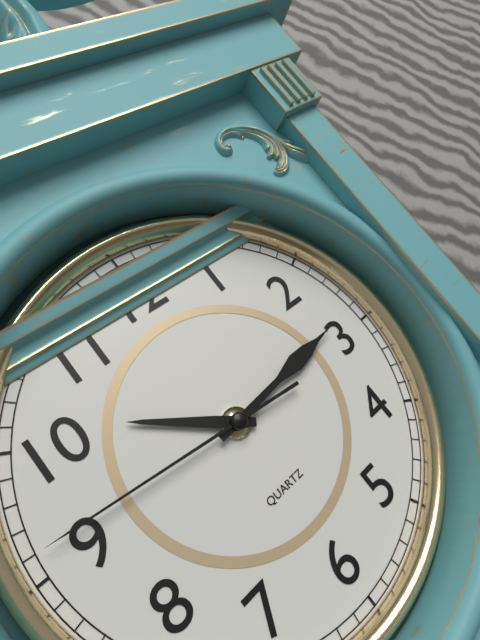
10:14:46
